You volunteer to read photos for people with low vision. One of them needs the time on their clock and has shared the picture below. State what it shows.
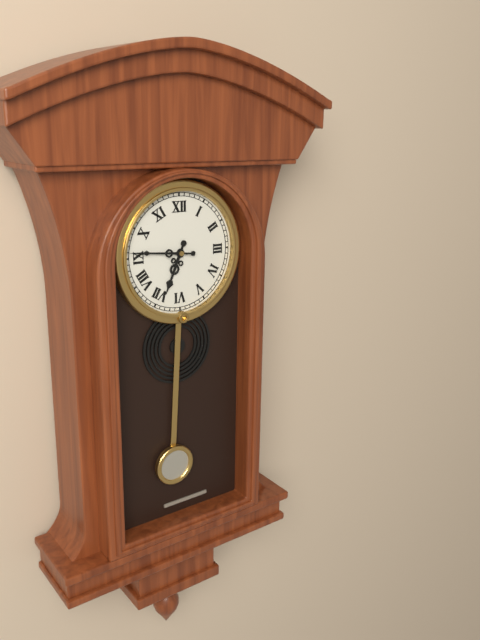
6:46
